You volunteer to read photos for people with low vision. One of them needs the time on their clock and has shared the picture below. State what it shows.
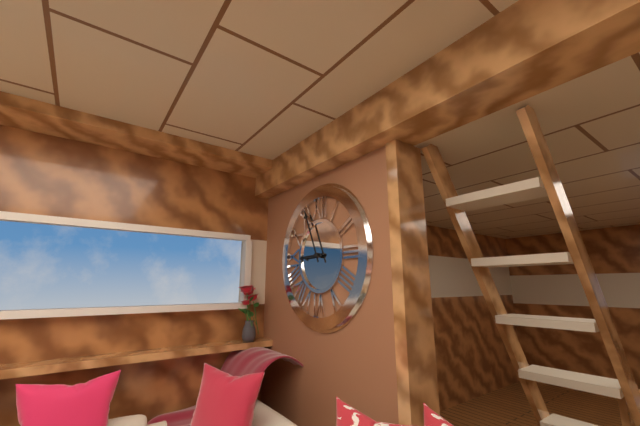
8:56
